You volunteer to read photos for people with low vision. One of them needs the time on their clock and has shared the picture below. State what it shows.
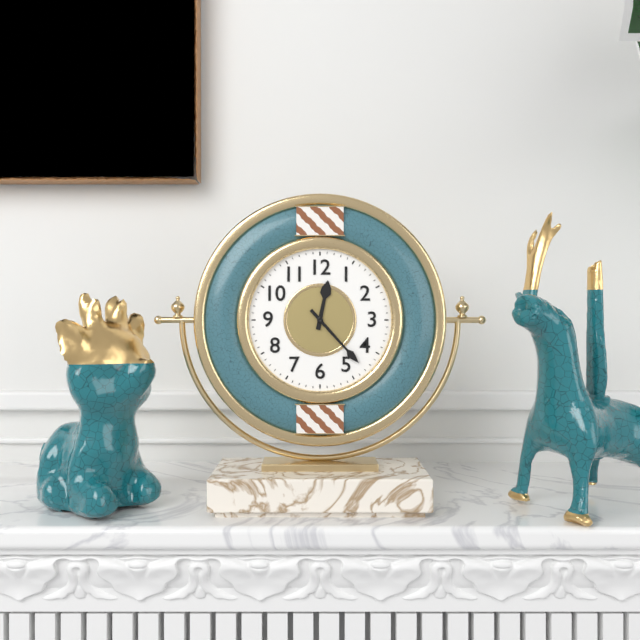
12:23
